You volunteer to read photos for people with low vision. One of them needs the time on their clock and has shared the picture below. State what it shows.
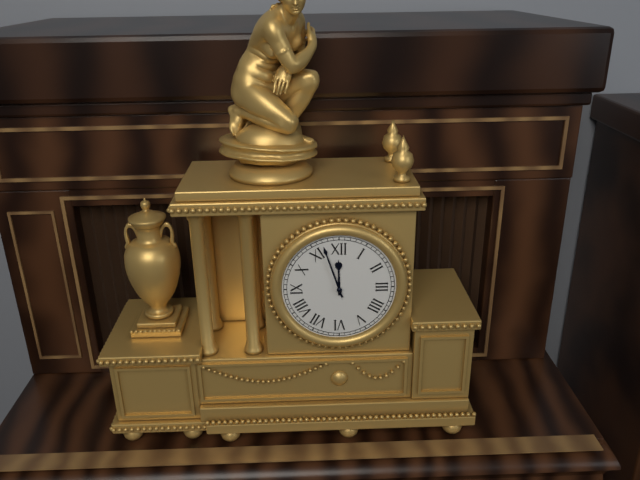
11:57
